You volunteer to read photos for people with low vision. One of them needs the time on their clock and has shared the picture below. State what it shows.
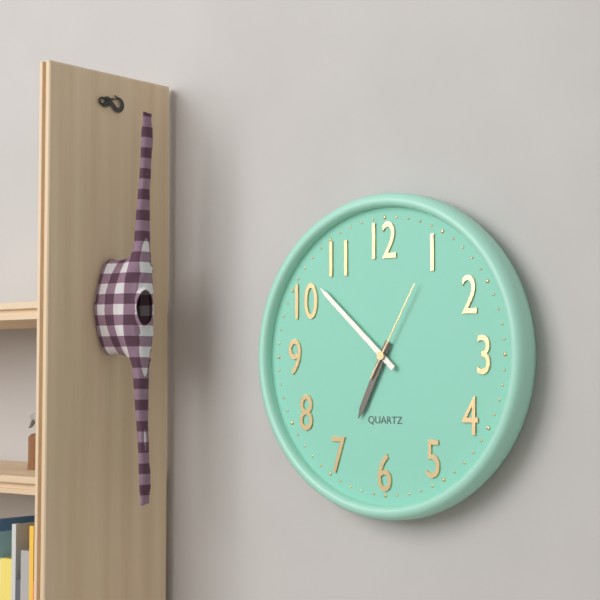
6:52:05
